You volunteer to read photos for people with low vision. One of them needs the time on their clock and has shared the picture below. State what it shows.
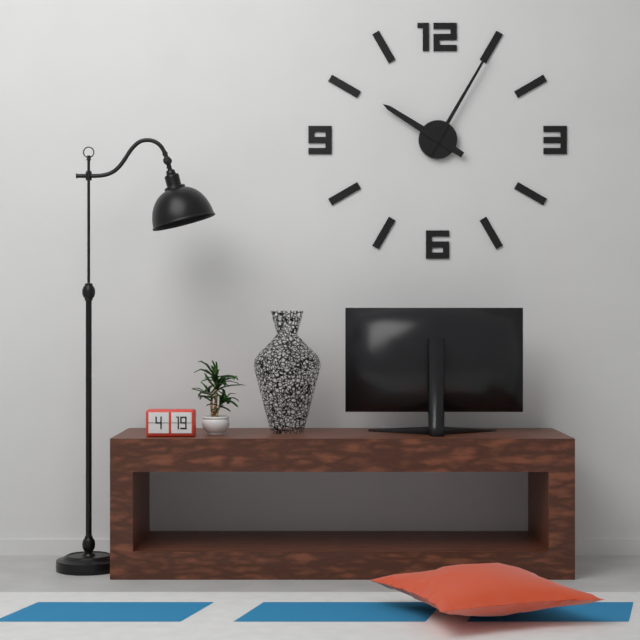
10:05
